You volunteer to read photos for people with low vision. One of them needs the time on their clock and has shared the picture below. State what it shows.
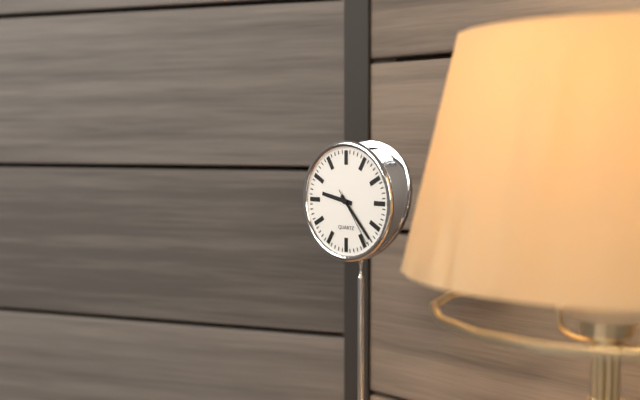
9:23:24
